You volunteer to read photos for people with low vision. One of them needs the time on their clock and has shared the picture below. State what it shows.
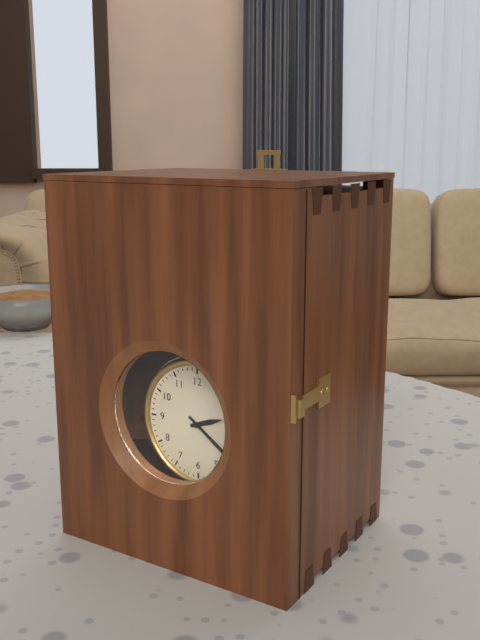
2:21
